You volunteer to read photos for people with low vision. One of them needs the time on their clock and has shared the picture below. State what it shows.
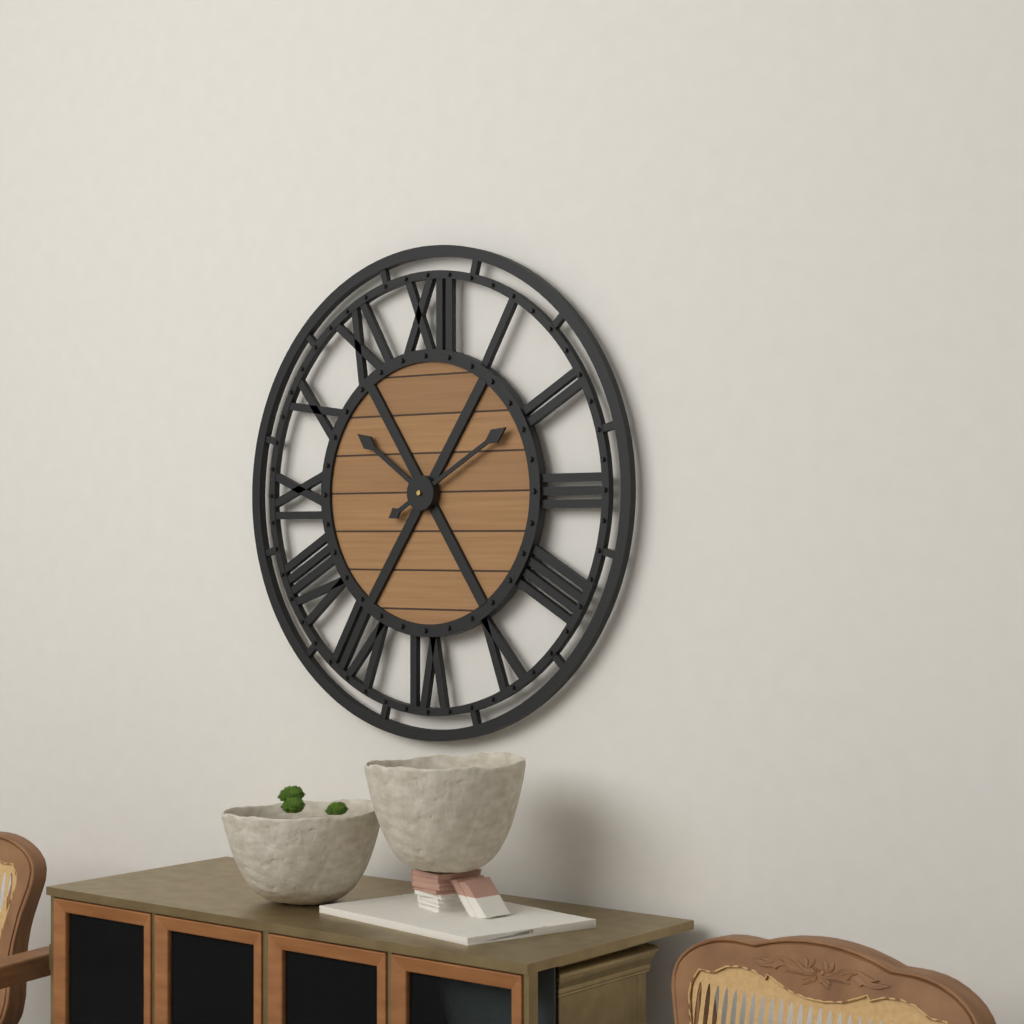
10:10
